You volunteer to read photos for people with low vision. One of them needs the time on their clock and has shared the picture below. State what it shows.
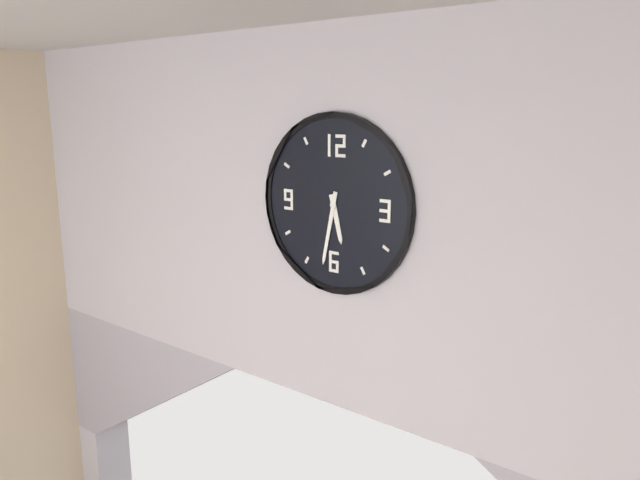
5:32
